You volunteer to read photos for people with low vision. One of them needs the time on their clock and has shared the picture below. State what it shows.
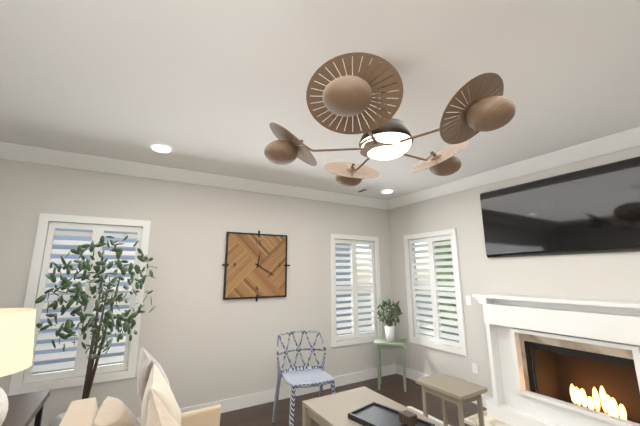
12:20
